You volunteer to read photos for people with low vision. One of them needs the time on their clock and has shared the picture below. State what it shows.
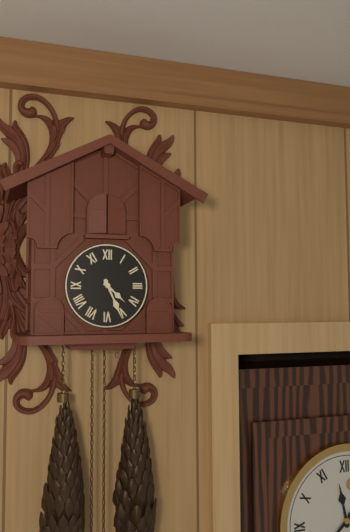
4:26
